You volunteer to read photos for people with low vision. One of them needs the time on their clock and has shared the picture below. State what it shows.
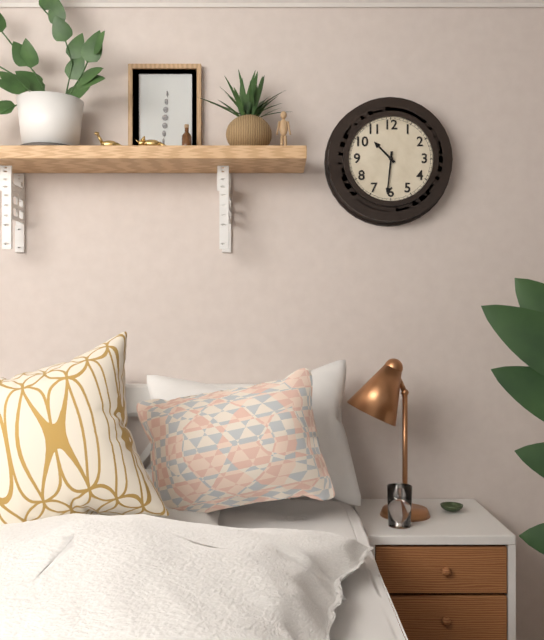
10:31
